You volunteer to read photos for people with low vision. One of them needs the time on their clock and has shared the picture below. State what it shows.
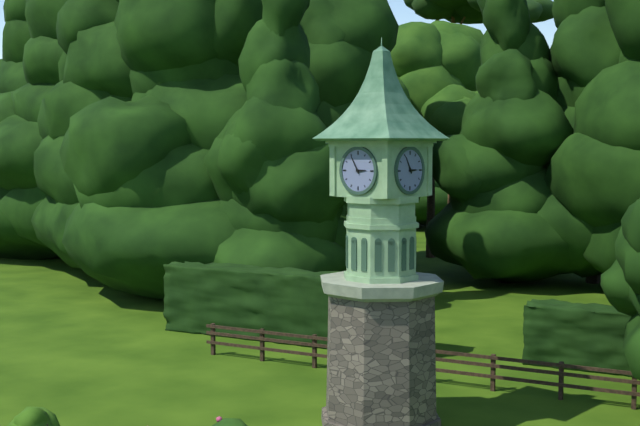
2:55
